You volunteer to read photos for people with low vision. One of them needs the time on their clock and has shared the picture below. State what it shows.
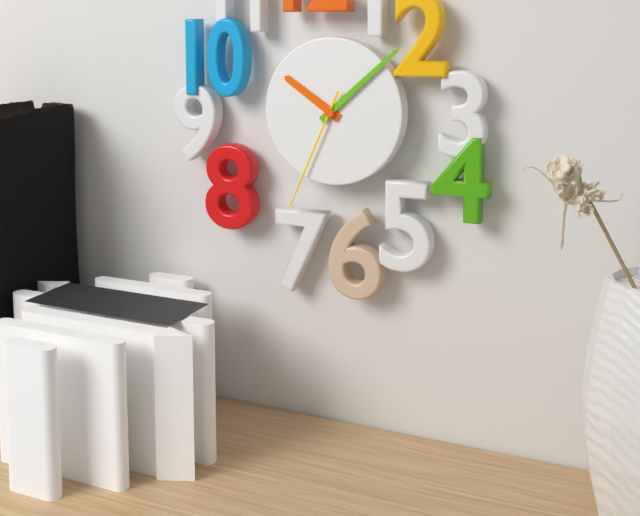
10:08:34
